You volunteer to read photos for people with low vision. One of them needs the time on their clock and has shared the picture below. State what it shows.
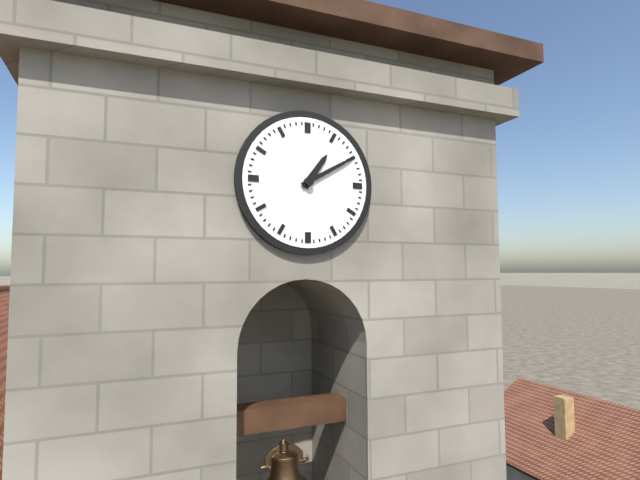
1:10
